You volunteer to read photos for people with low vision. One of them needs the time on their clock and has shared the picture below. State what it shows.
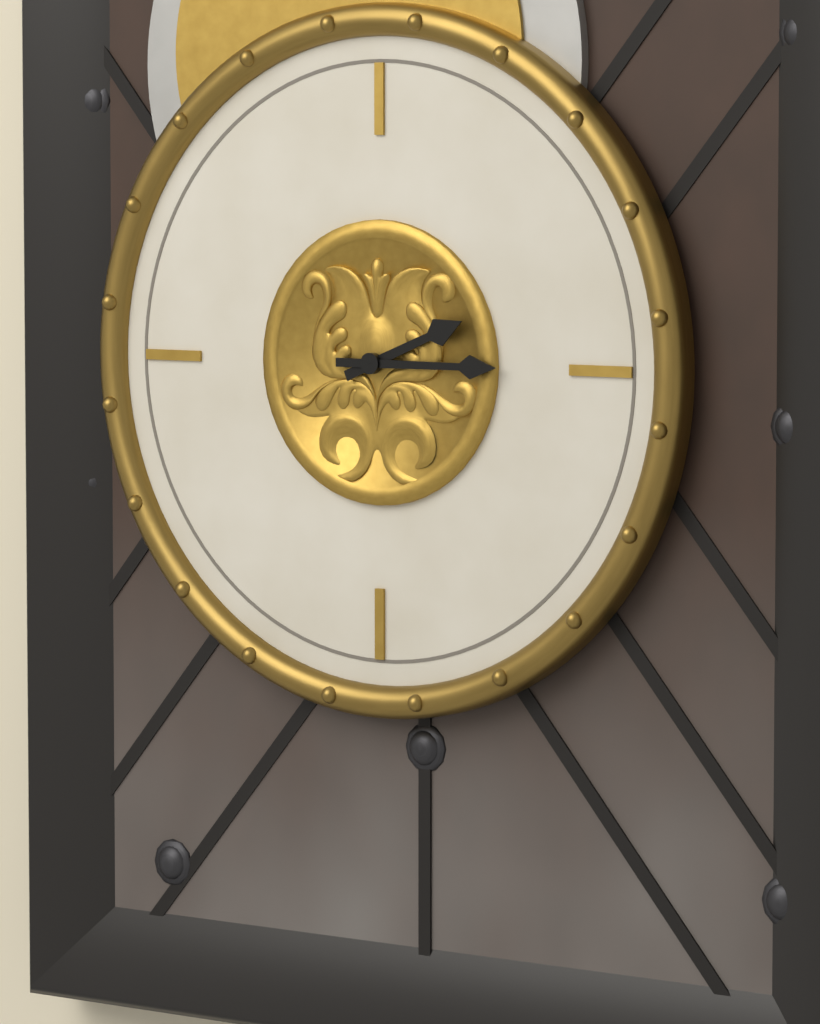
2:15
